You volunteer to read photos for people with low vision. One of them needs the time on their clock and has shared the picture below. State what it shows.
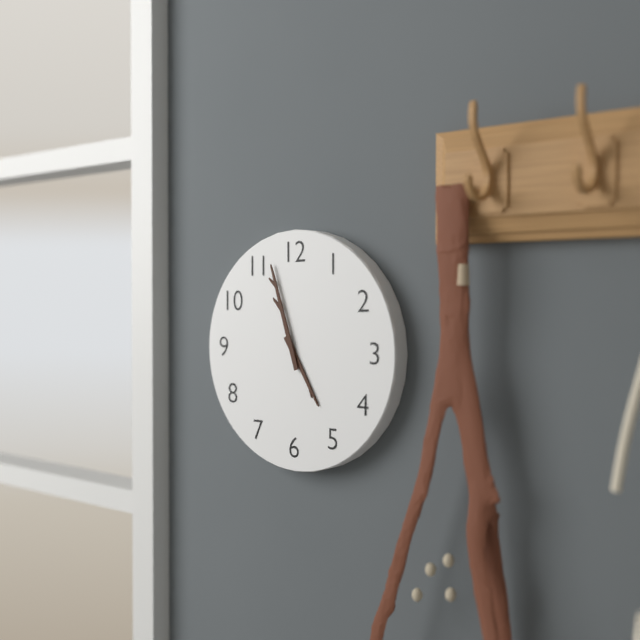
4:57
